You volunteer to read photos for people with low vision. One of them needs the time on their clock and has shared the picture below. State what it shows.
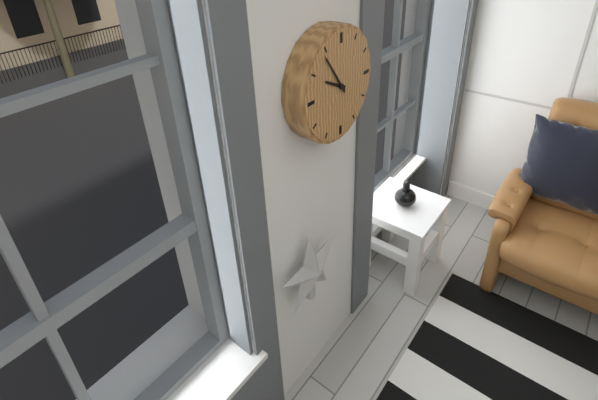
9:54
